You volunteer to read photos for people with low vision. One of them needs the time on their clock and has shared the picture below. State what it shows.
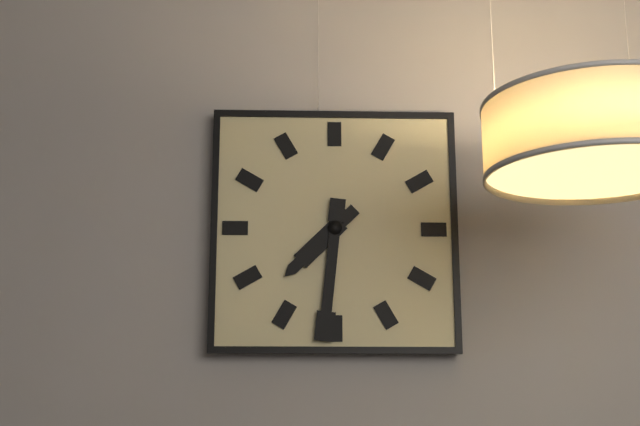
7:31
